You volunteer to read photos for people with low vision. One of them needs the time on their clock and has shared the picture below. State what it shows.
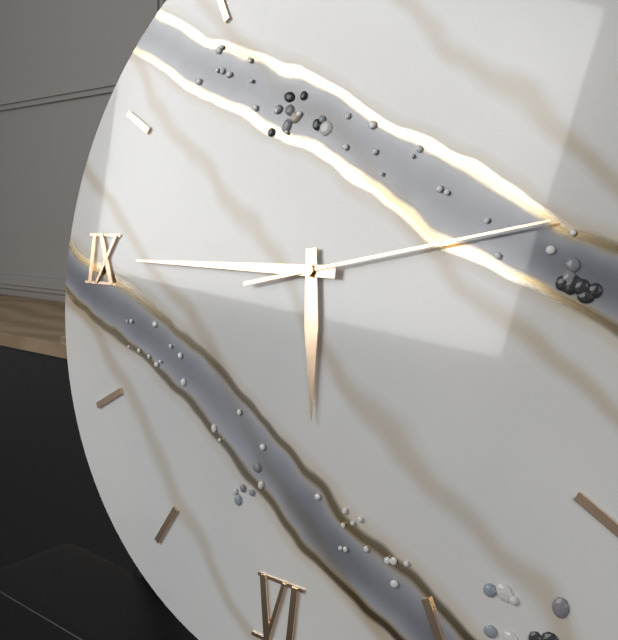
5:45:13
